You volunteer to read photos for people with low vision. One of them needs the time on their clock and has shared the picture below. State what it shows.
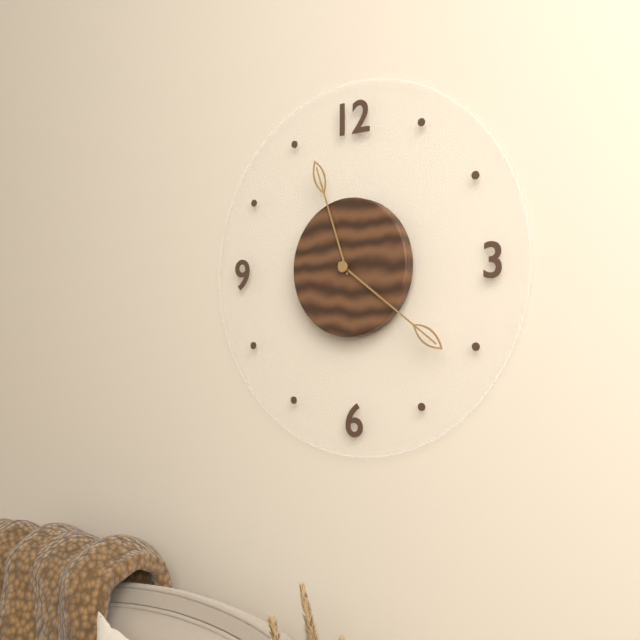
11:21
